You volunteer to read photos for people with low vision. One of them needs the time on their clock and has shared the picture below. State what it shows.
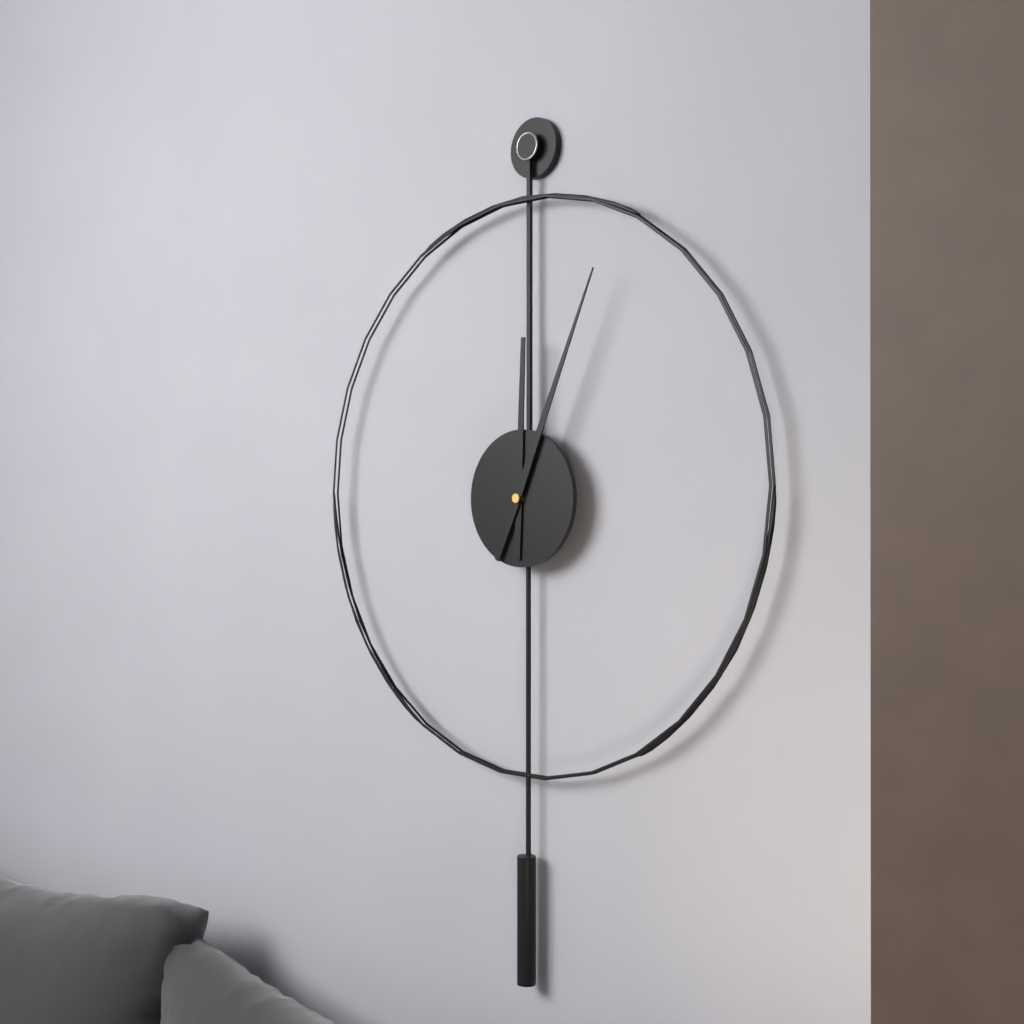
12:04
